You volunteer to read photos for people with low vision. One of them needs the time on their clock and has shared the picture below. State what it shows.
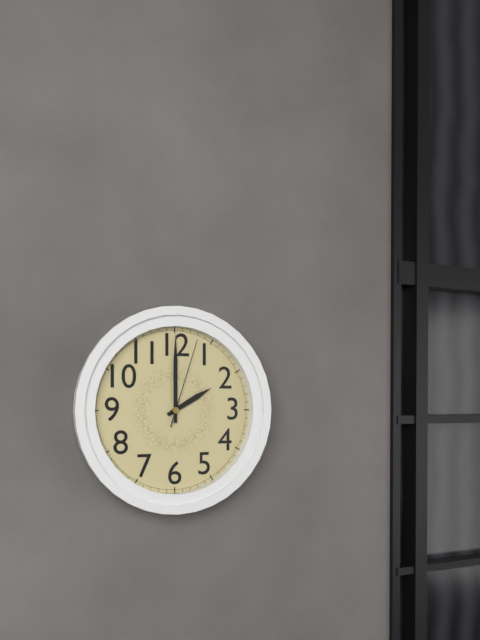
2:00:03
